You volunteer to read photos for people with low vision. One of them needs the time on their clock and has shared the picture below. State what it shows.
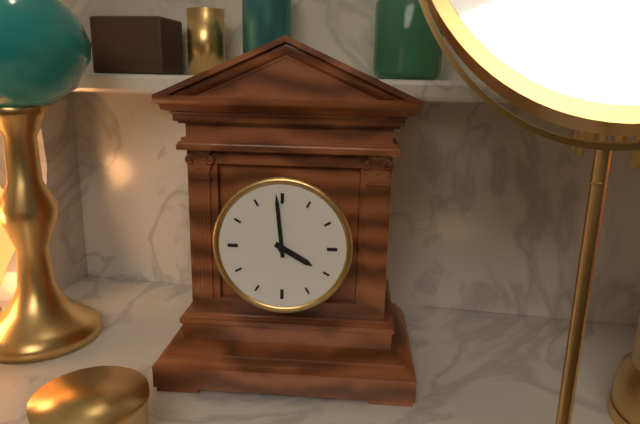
3:59
